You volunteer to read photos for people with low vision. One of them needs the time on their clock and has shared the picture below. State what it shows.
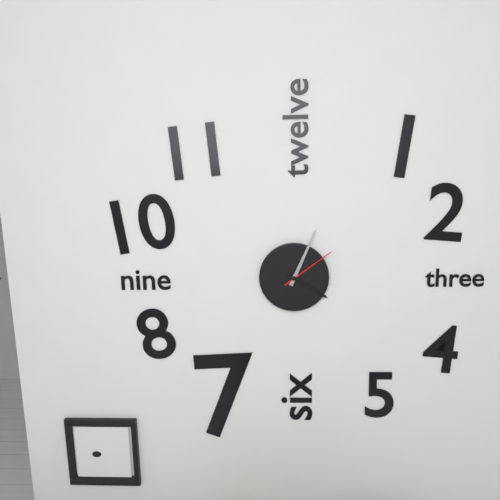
4:04:09
